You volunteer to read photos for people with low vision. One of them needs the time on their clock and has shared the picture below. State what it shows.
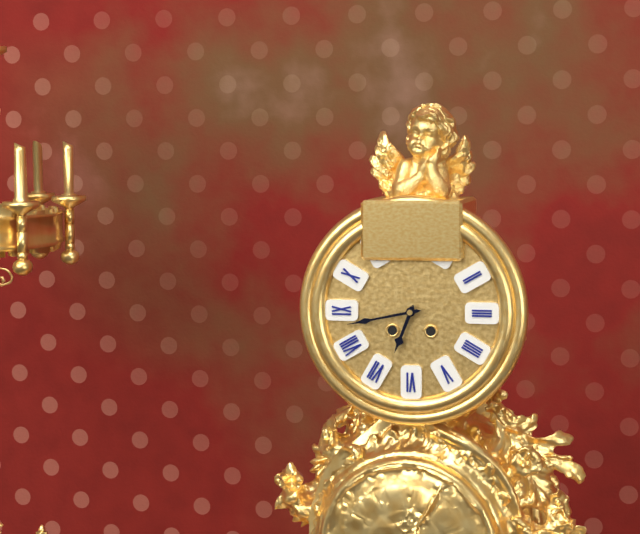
6:43
